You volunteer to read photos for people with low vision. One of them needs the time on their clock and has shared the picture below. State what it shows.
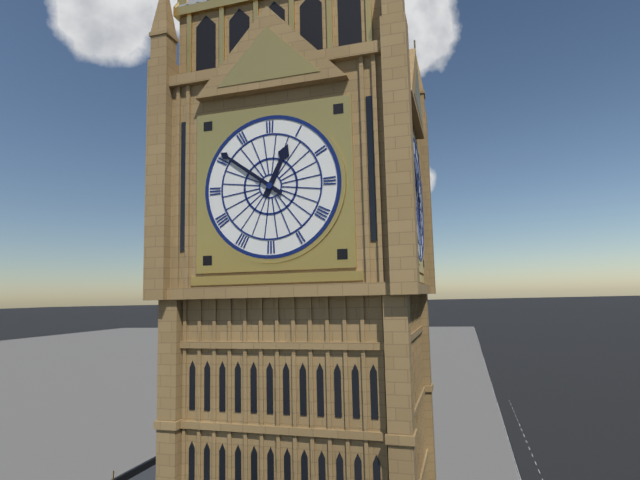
12:51
